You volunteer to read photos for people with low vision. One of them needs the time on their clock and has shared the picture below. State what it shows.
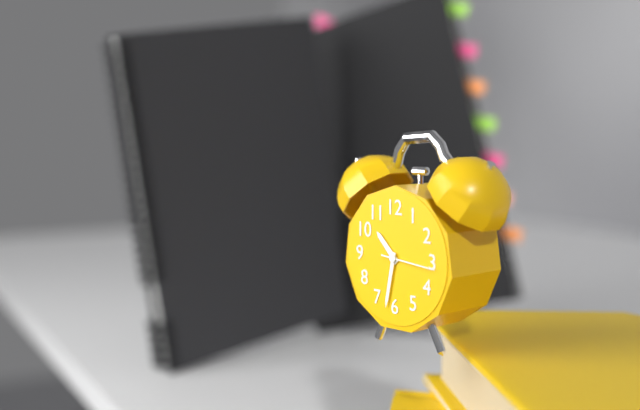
10:32:16
